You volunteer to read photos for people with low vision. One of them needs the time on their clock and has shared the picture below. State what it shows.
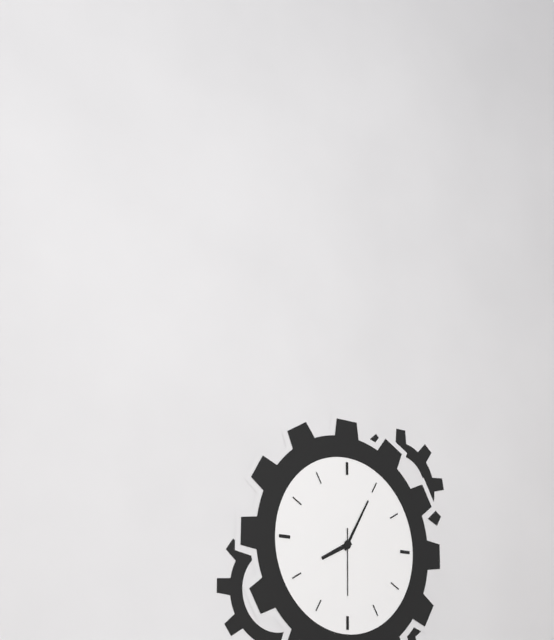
8:05:30
